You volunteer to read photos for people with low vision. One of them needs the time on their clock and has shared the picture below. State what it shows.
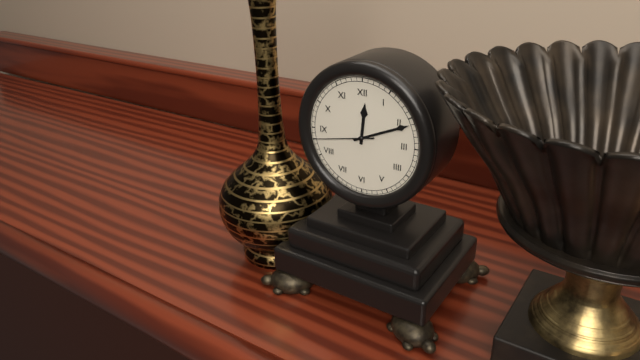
12:11:43
